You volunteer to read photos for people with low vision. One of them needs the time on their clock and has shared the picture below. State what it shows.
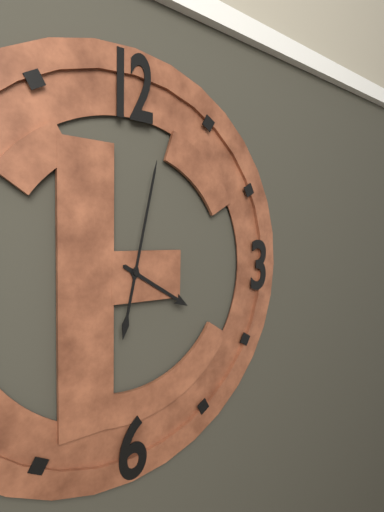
4:02
